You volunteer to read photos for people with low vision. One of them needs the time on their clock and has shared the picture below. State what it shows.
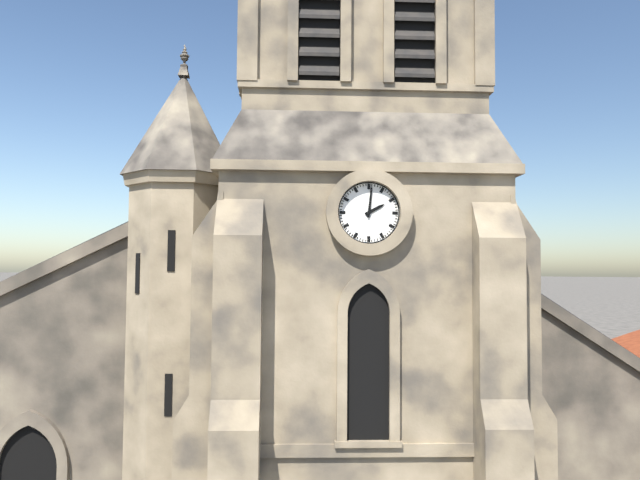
2:01
